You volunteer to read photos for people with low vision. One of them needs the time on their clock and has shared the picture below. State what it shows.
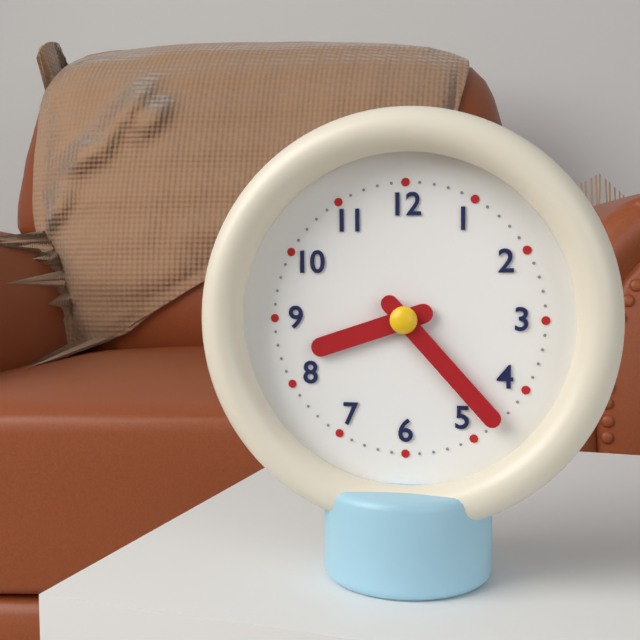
8:23
